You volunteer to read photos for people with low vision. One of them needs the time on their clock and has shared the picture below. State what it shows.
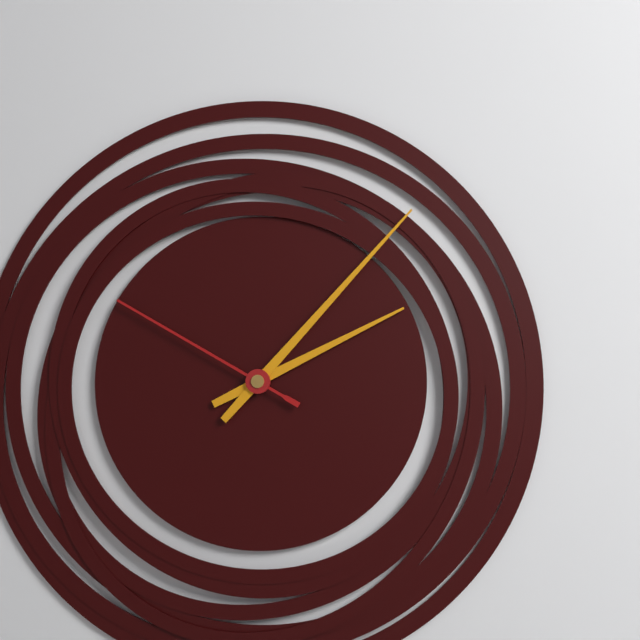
2:07:50
